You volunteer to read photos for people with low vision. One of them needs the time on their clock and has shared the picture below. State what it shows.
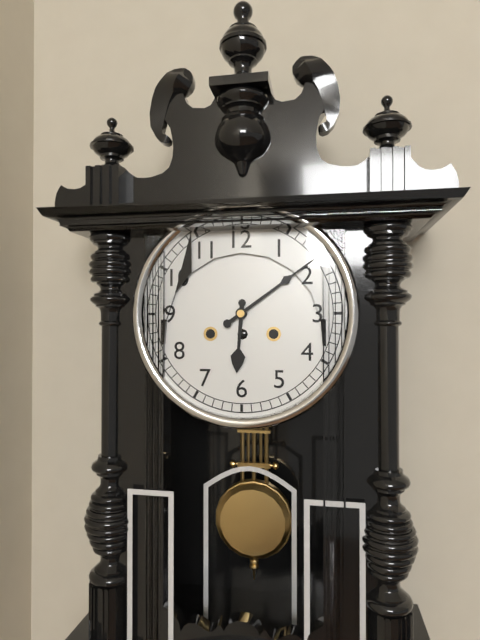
6:09
